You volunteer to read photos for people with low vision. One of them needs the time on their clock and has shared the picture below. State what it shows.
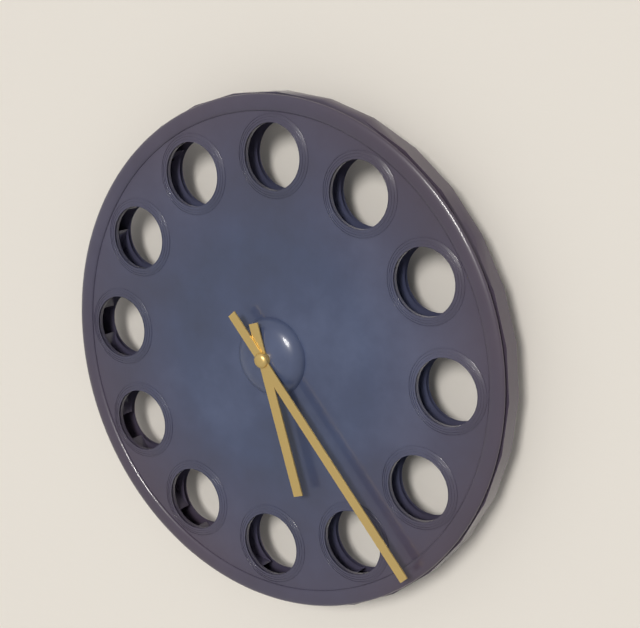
5:23
